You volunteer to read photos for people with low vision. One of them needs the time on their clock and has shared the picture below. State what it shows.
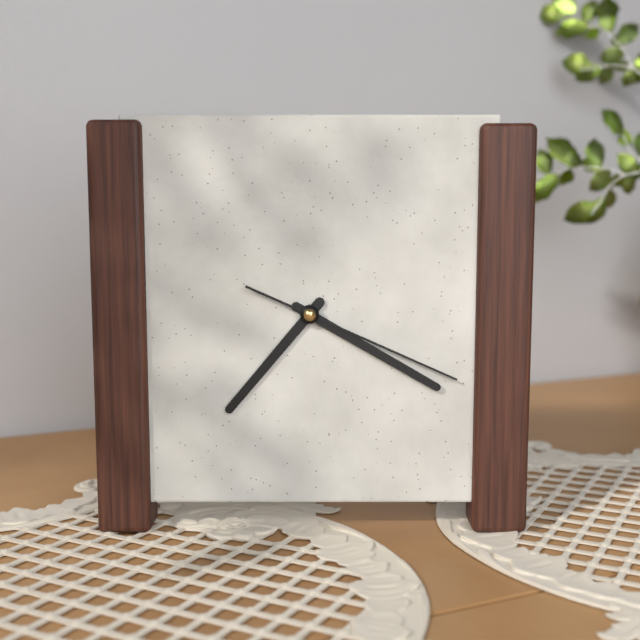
7:20:19
